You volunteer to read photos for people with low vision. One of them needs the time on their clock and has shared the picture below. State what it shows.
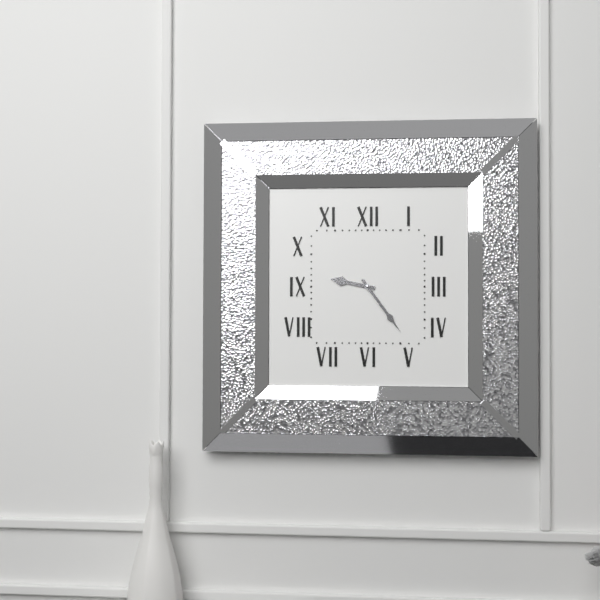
9:24
